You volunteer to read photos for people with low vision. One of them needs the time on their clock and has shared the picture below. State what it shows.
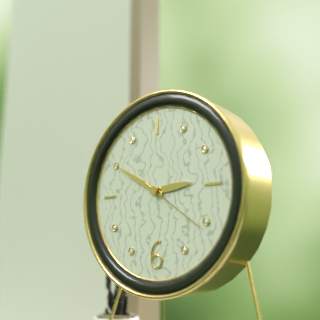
2:50:21
